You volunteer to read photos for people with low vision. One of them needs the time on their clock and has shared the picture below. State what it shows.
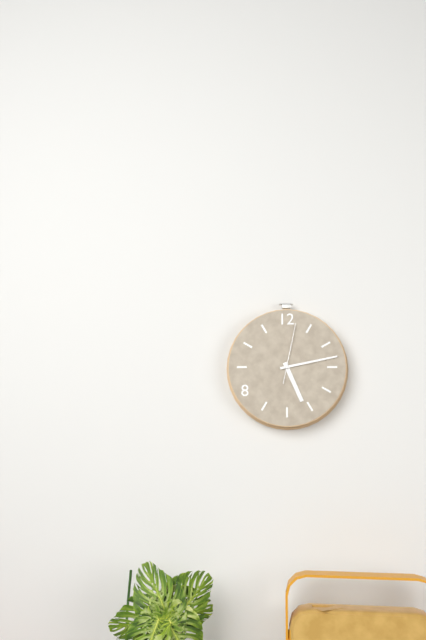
5:13:02
